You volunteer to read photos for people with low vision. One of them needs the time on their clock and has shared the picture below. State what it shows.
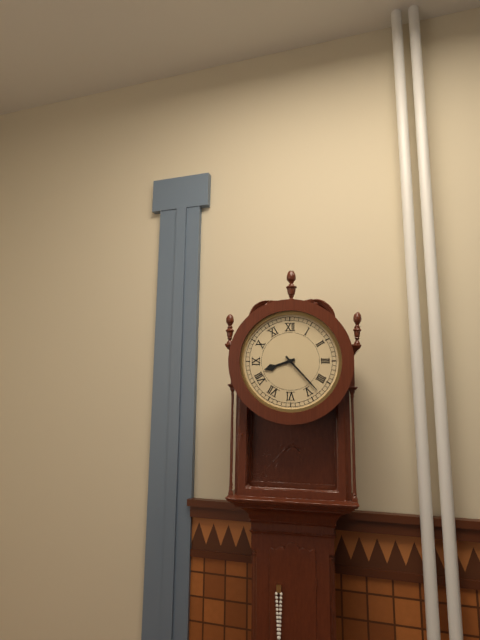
8:23
